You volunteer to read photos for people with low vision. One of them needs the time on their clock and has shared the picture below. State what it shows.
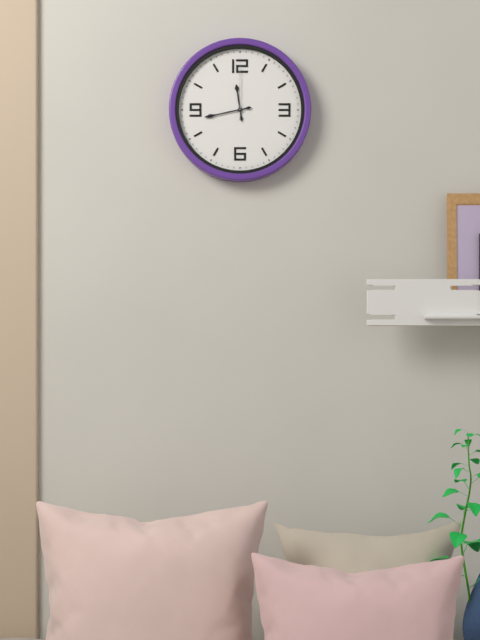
11:43:00
